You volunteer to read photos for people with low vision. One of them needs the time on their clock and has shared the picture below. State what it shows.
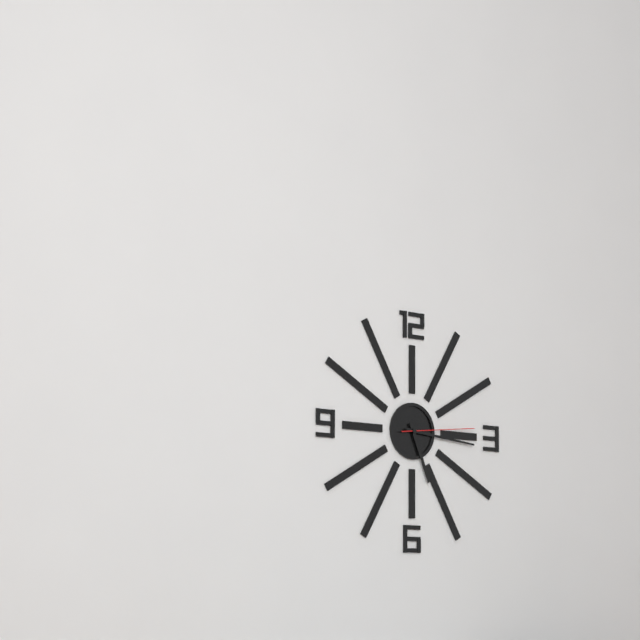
5:16:14
